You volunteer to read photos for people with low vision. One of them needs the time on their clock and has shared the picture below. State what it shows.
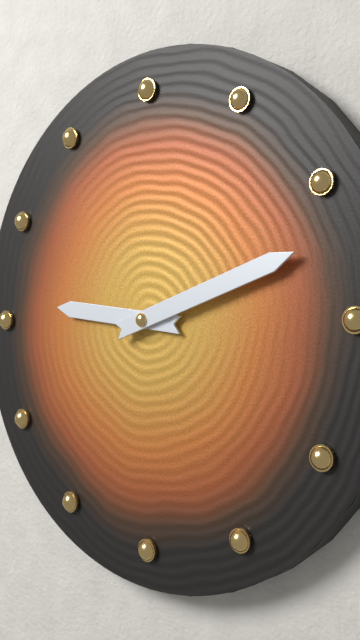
9:12
